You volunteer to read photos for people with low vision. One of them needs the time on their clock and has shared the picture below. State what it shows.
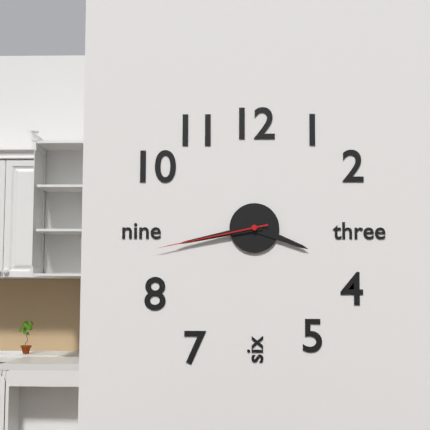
3:43:43
